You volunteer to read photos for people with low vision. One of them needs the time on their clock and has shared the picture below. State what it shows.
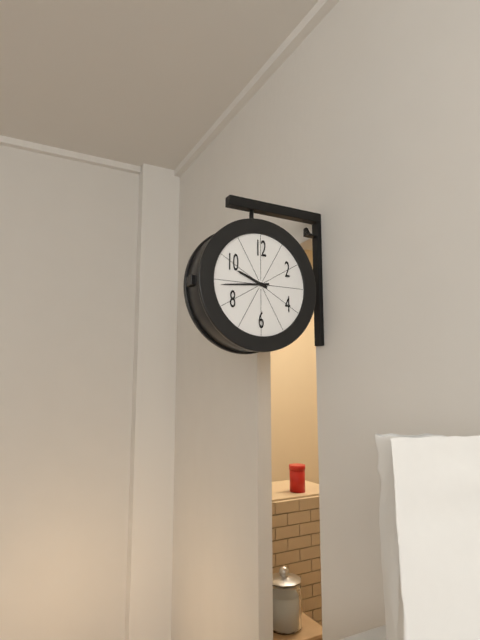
9:44
